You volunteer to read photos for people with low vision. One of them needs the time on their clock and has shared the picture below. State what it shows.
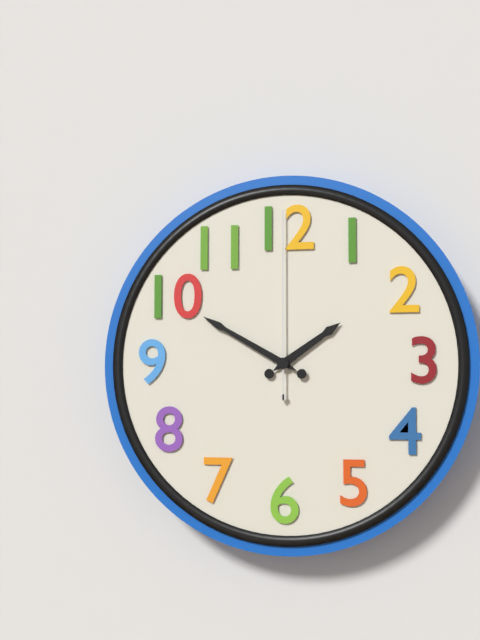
1:50:00
